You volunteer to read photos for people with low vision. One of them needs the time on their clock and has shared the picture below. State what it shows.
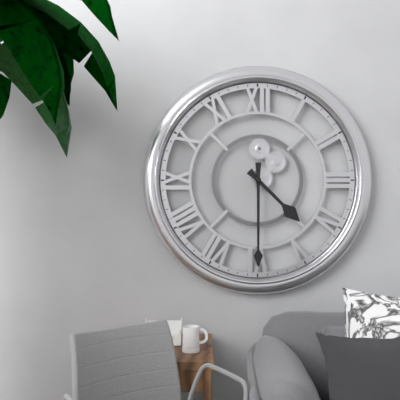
4:30
